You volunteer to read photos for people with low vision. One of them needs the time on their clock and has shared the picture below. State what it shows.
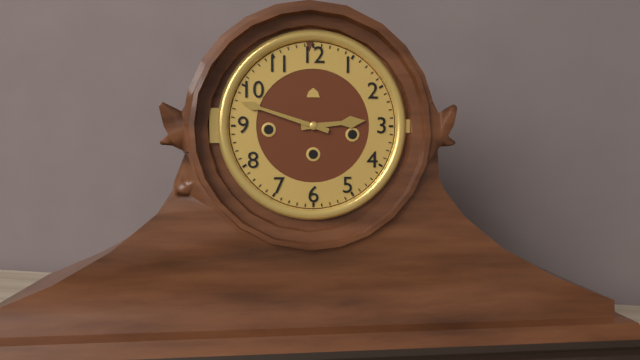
2:48
